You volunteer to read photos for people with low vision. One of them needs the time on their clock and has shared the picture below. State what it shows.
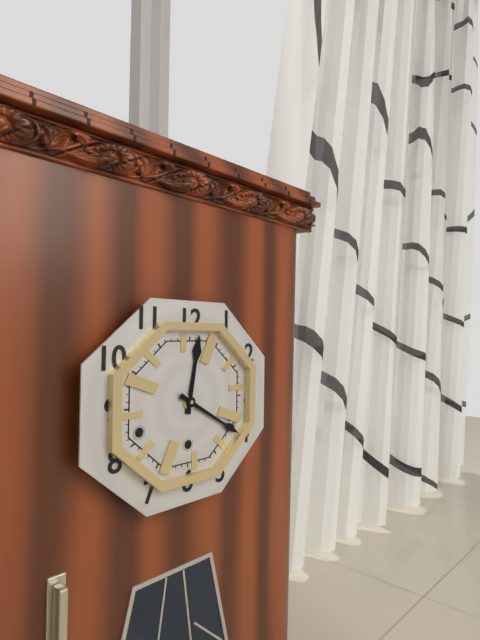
12:20
